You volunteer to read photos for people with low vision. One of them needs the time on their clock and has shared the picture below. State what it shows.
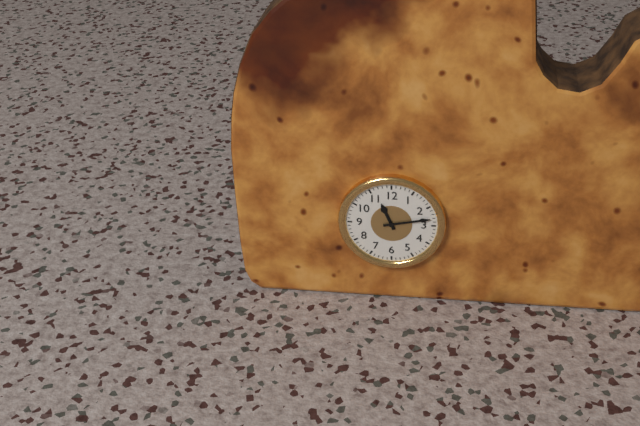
11:13
